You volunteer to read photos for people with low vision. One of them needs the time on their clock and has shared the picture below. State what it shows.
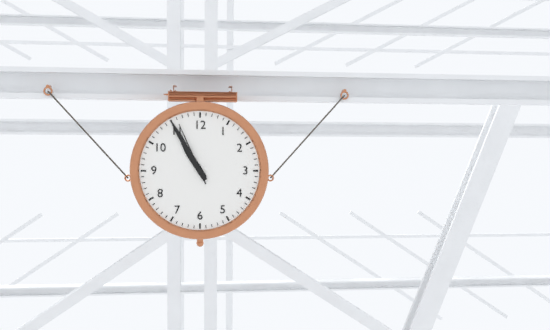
10:55:56
